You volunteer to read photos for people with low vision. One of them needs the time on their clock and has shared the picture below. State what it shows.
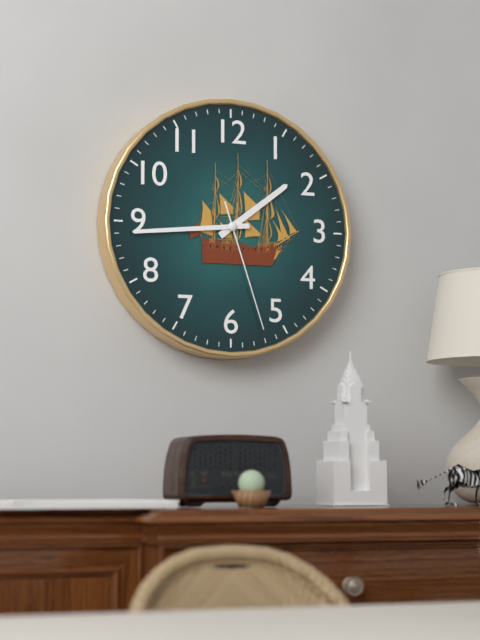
1:44:27
